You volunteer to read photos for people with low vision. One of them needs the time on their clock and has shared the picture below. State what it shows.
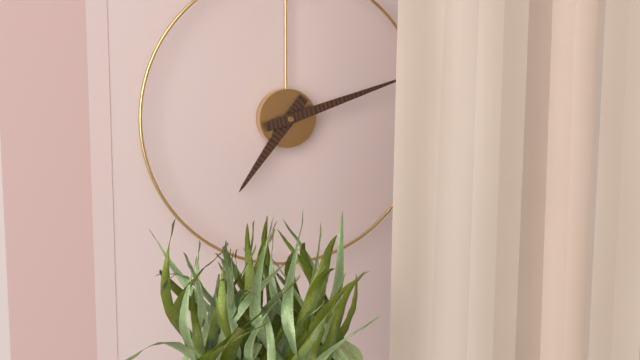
7:12
